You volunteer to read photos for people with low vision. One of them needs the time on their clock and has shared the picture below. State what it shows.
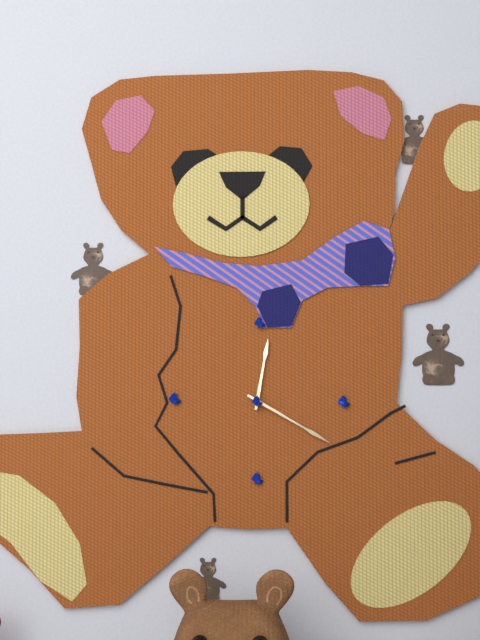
12:20
